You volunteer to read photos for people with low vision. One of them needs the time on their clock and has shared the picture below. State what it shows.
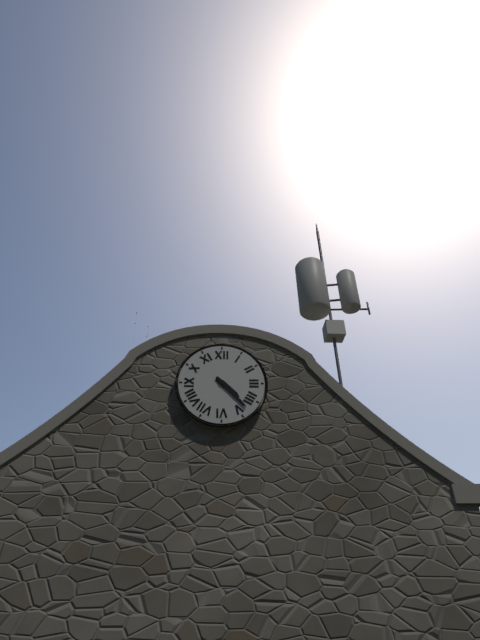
4:23
